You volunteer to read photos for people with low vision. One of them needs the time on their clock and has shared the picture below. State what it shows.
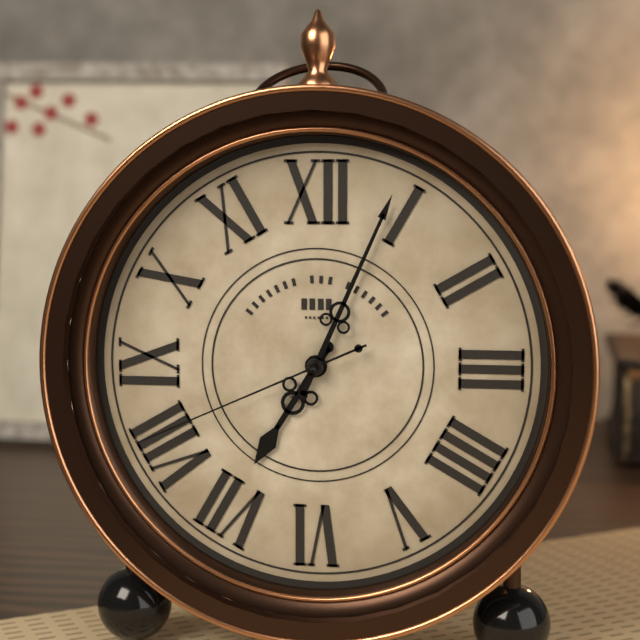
7:04:41
